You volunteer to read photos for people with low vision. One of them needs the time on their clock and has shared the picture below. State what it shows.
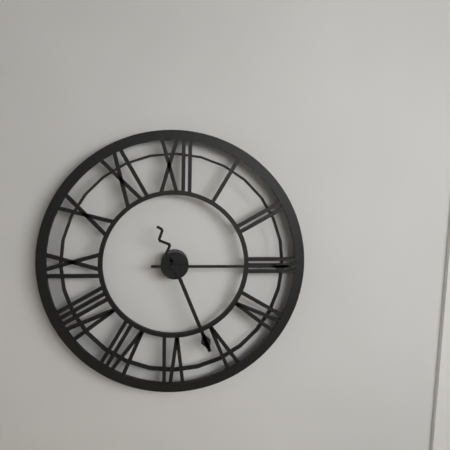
5:15
